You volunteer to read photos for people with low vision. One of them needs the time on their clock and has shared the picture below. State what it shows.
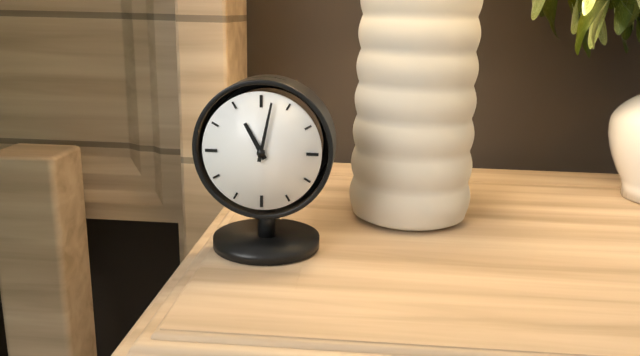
11:02
